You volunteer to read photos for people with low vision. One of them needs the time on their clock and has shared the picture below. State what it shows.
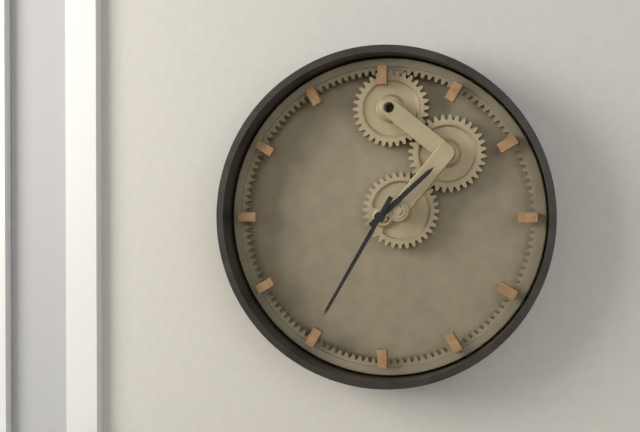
1:35
